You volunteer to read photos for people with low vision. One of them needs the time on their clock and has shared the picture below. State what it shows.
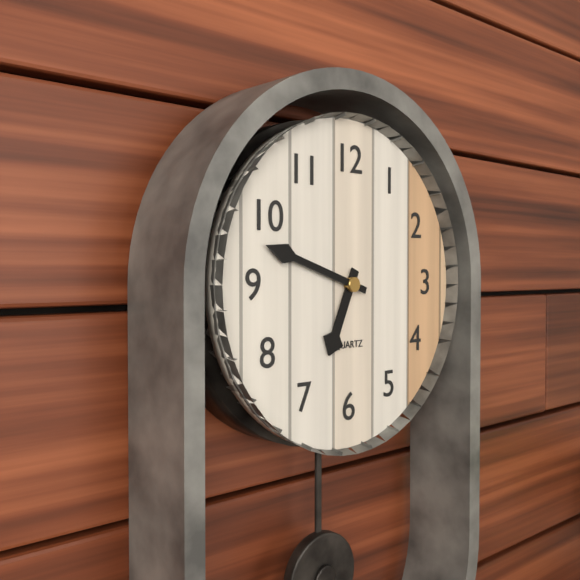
6:48
